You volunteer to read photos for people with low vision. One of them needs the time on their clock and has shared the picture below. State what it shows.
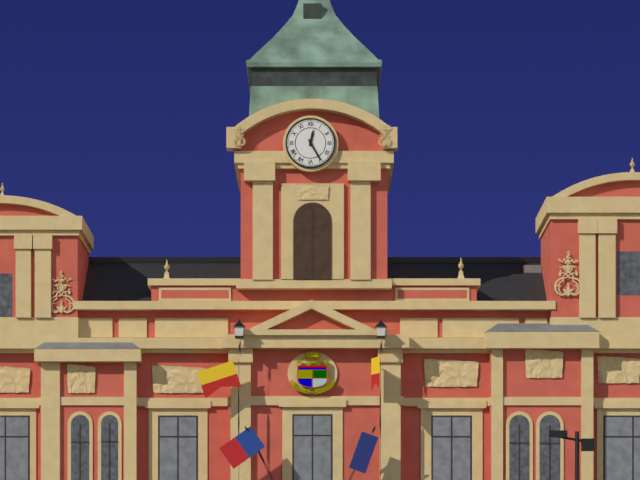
12:25
